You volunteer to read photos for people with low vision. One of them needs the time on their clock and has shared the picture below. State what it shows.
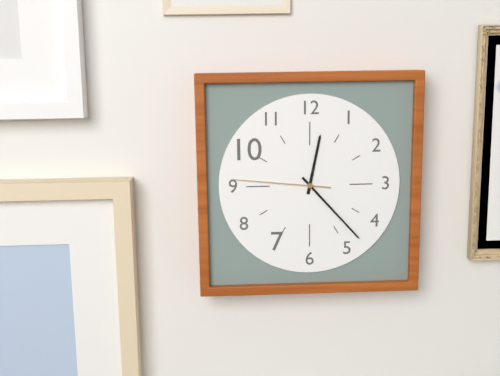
12:23:46
